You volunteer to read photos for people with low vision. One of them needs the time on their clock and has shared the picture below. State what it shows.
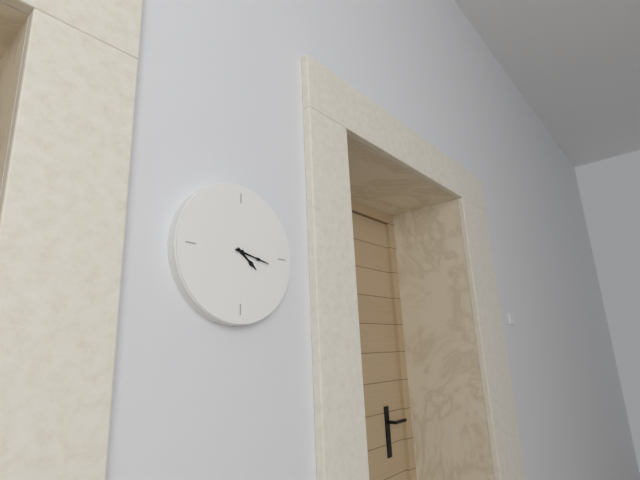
4:17
